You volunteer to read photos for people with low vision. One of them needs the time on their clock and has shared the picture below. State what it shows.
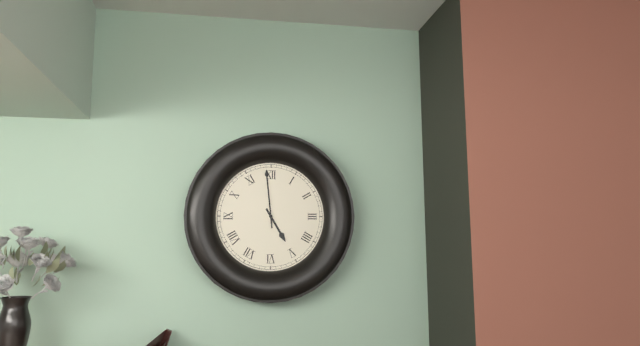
4:59
